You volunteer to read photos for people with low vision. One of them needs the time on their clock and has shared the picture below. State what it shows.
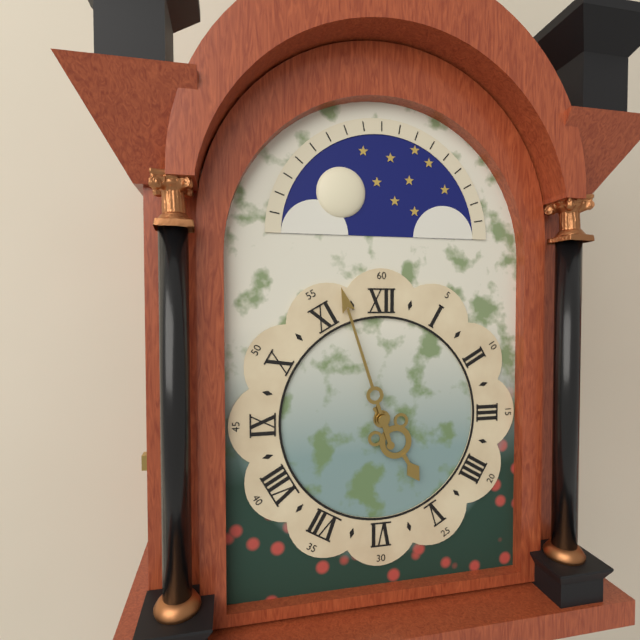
4:57
